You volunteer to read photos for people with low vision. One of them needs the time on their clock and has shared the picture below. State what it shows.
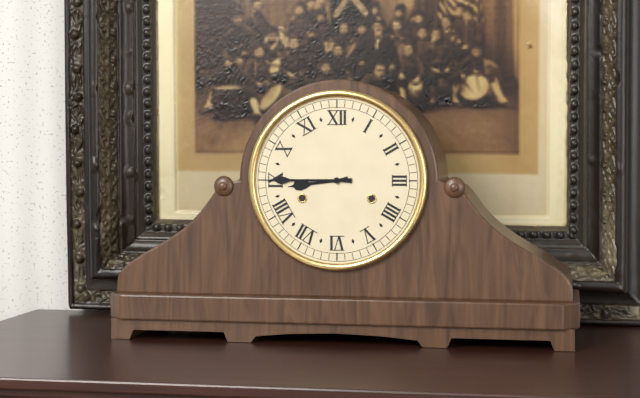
8:45
